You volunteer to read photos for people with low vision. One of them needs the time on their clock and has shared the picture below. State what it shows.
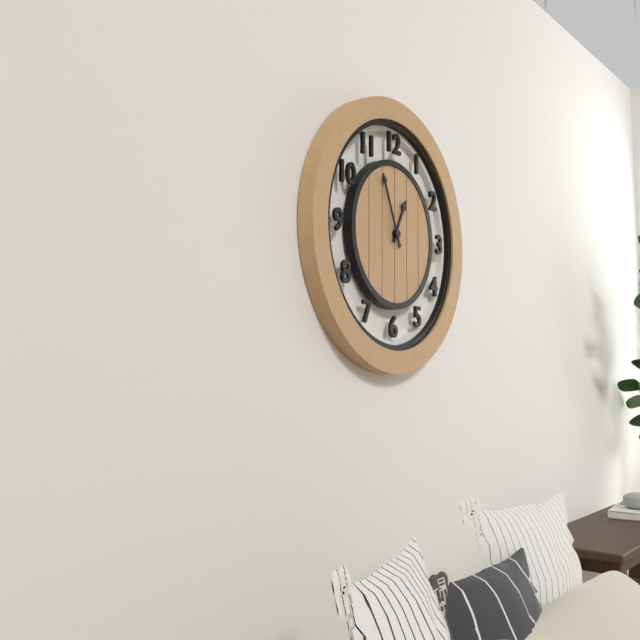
12:56
